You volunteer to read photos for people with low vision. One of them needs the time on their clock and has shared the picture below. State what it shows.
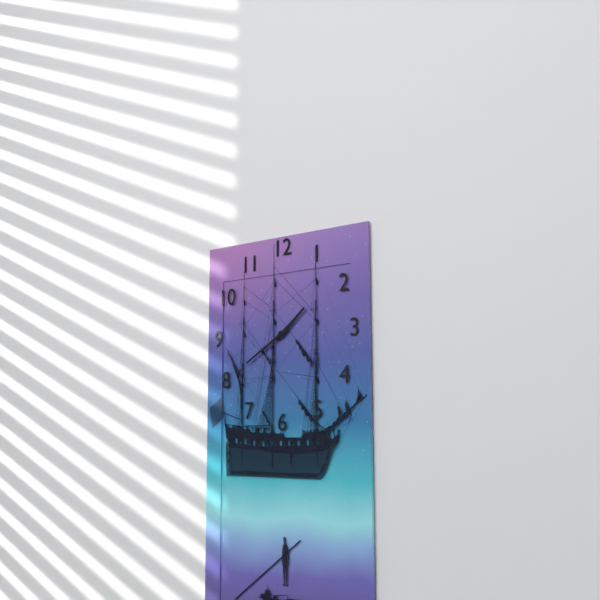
1:40
